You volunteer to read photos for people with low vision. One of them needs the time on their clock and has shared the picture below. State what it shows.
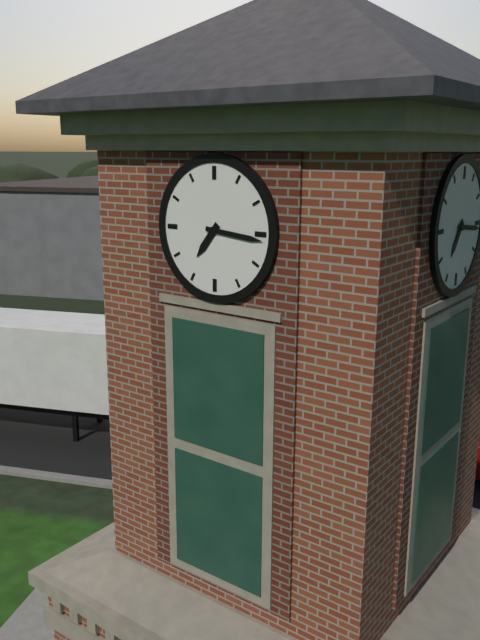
7:16
